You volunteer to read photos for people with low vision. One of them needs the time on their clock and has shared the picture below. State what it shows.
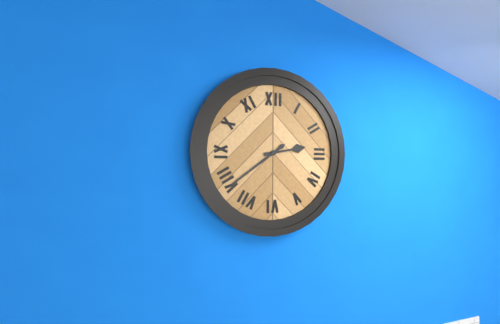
2:39
